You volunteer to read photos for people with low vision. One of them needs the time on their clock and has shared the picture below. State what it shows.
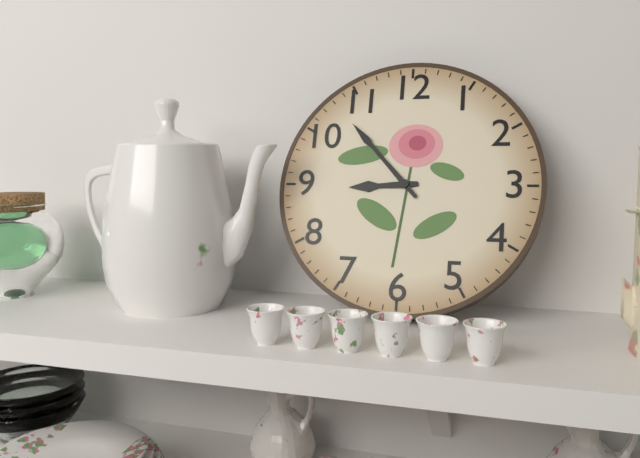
8:53
